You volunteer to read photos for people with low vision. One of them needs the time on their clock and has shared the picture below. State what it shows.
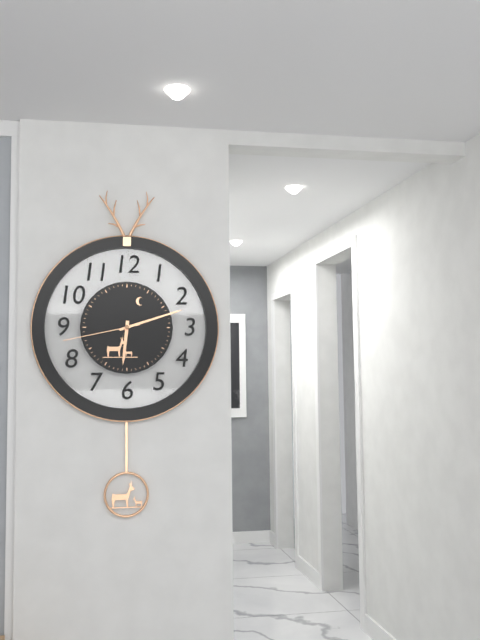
6:12:43
